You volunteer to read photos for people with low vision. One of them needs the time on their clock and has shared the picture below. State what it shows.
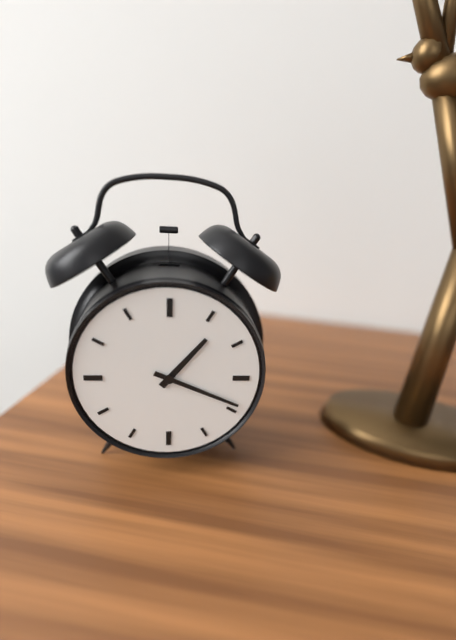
1:19
